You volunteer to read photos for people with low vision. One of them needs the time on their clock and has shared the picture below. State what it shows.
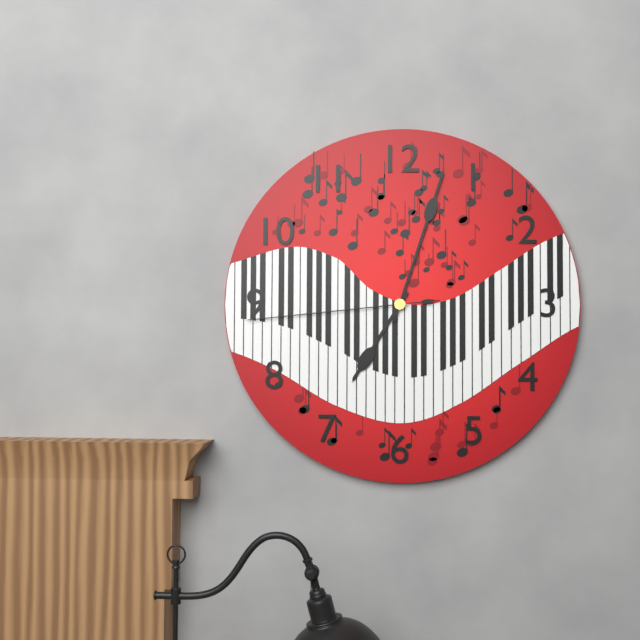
7:03:44
